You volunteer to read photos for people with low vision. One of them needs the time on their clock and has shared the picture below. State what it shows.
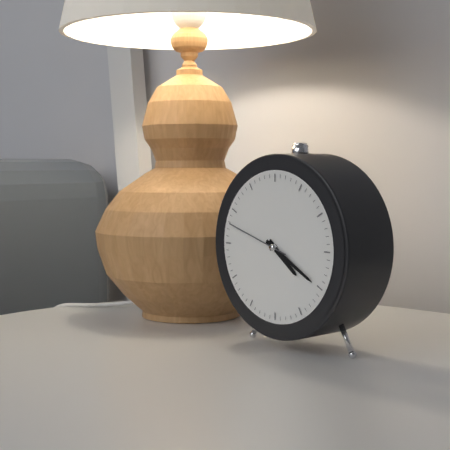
4:20:48
